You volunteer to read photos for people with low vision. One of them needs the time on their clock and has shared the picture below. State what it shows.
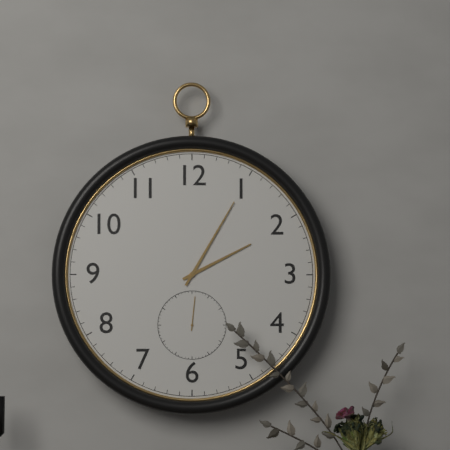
2:05
